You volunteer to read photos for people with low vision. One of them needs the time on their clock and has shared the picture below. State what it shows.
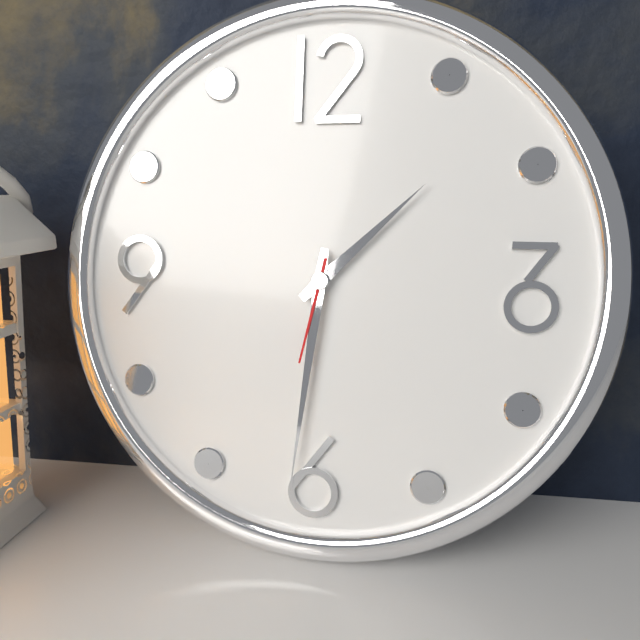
1:31:32
